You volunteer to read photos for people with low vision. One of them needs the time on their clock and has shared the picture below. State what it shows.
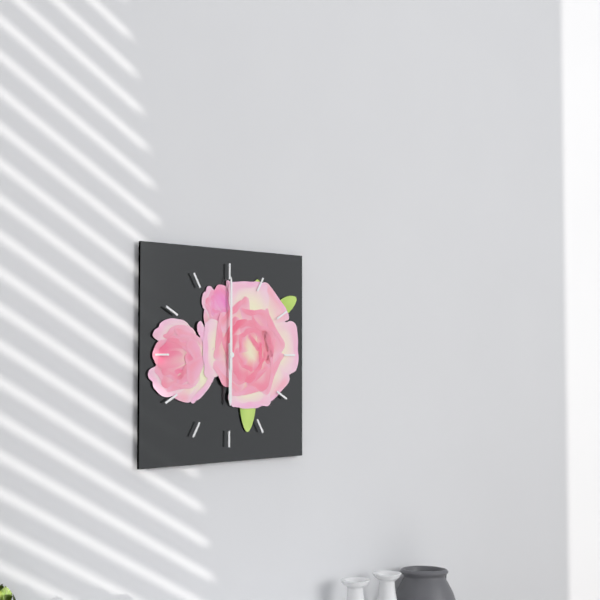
6:00
